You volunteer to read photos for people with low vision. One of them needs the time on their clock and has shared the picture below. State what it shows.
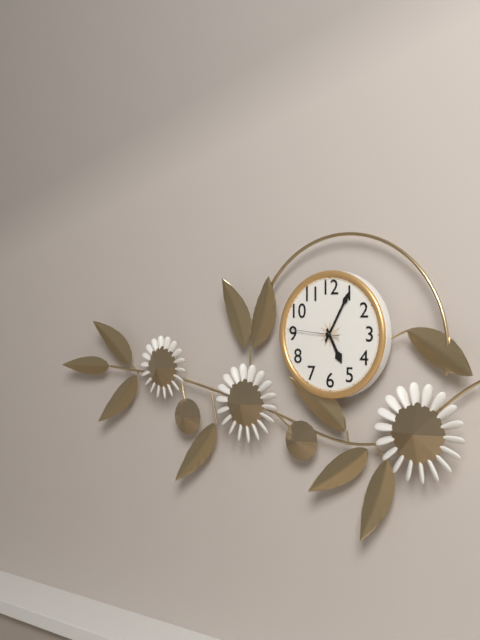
5:05:46
